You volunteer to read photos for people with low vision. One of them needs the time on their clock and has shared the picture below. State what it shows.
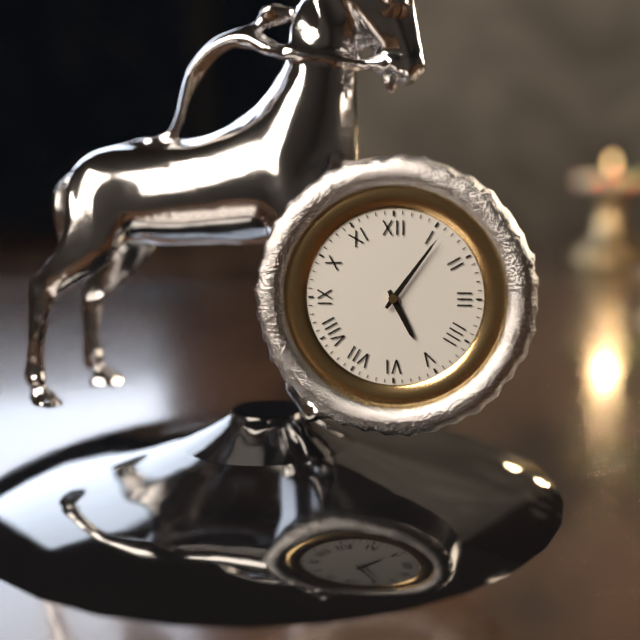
5:06
